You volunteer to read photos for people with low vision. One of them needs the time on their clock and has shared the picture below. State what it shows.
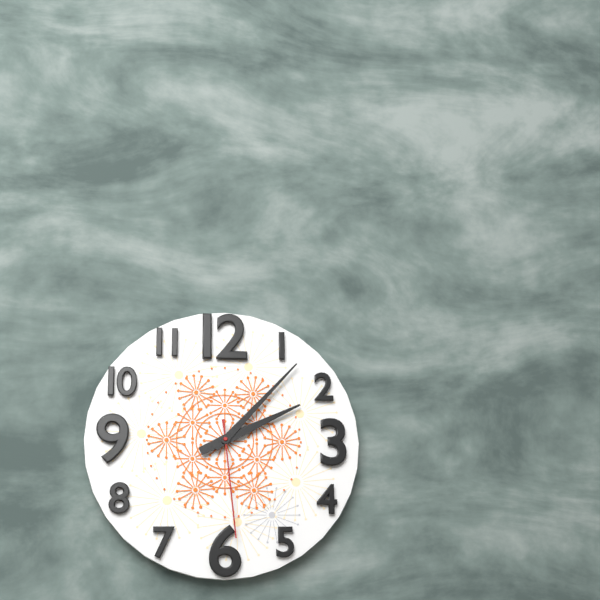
2:07:29
